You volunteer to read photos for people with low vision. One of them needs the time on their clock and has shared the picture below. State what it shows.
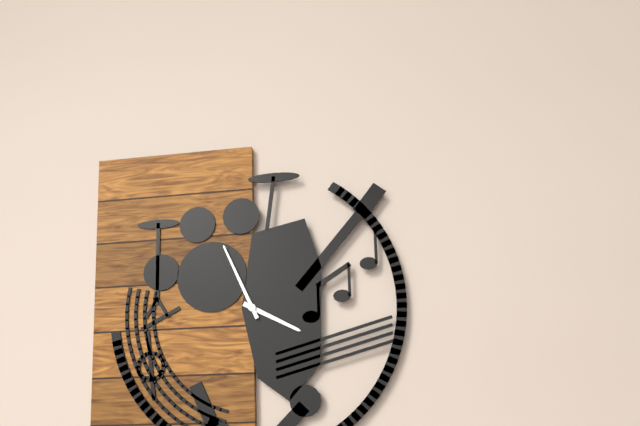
3:56
